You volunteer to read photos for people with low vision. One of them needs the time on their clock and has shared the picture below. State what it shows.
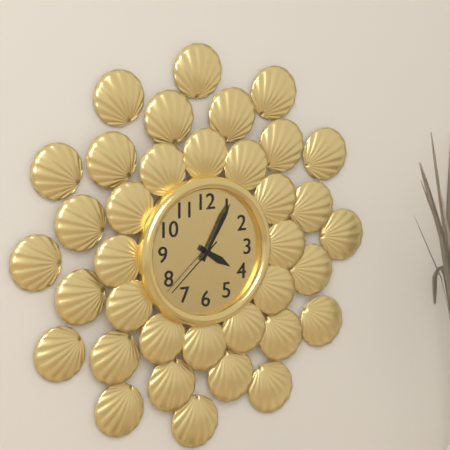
4:05:38
